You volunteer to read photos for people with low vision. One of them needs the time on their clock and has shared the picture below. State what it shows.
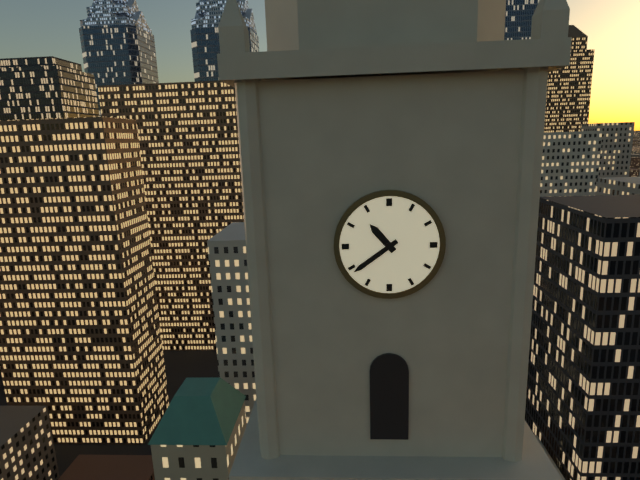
10:39
